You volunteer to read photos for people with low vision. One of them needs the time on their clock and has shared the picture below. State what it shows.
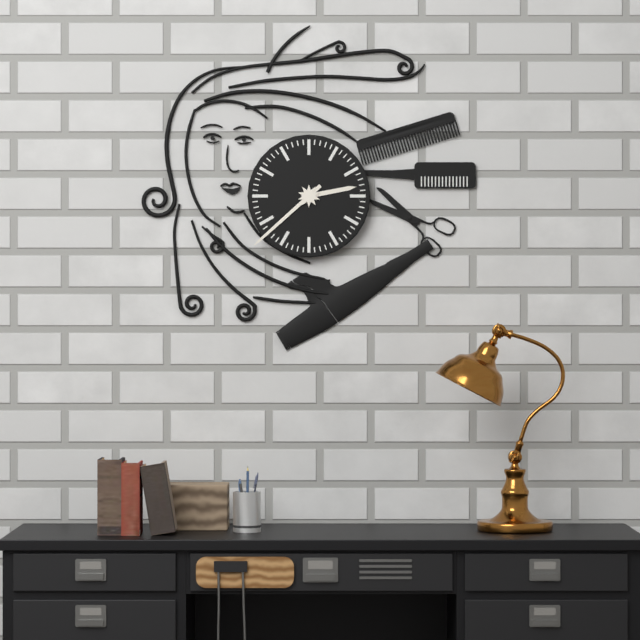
2:38
